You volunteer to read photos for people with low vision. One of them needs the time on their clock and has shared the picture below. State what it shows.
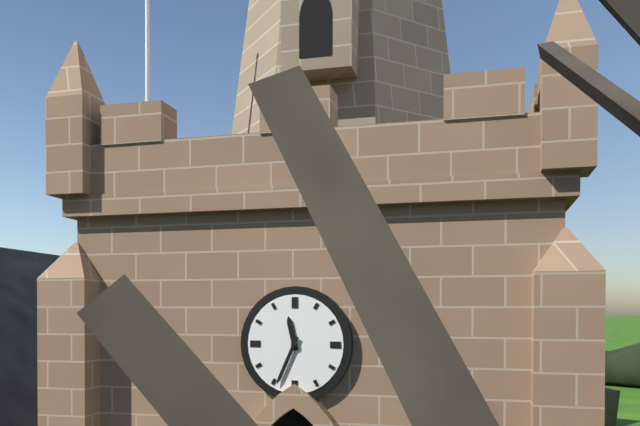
11:34
